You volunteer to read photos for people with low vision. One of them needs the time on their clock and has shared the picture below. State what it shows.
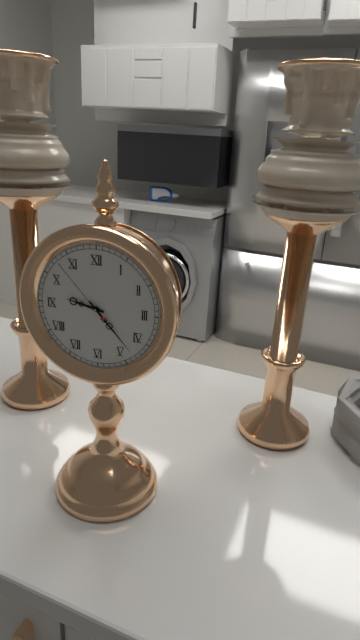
9:23:53
